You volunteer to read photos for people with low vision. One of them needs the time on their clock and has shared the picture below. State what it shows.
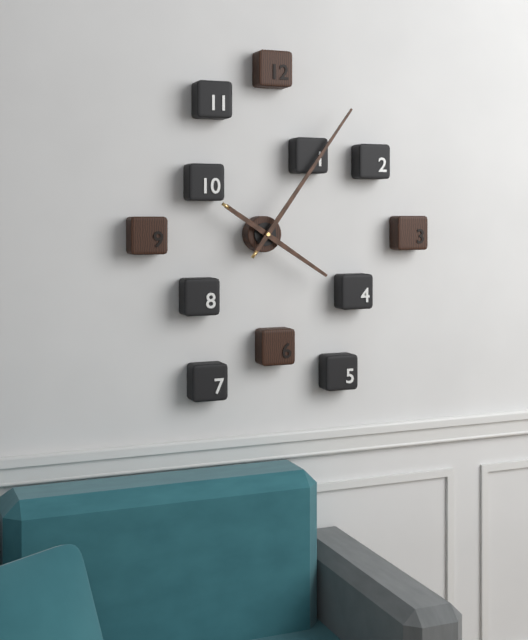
4:06
